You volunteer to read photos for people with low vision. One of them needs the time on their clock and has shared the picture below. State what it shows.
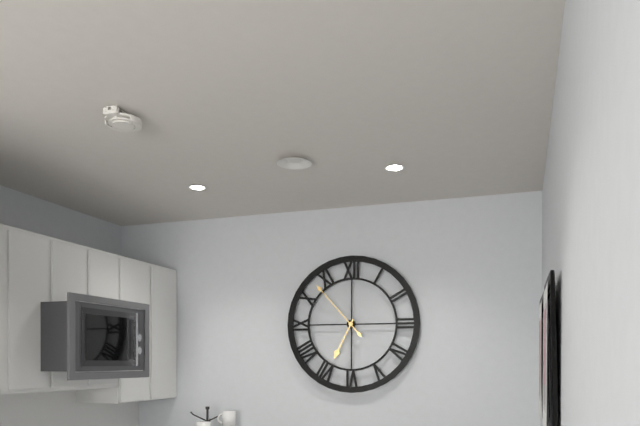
6:53
